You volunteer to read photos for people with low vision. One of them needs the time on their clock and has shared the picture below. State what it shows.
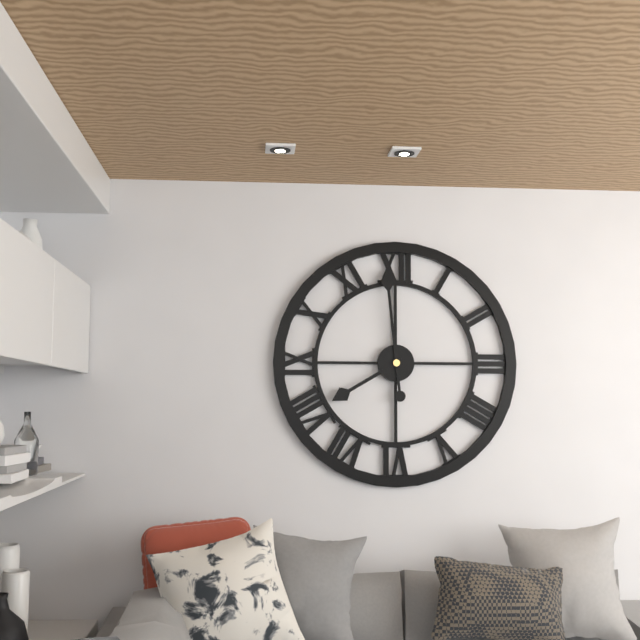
7:59
